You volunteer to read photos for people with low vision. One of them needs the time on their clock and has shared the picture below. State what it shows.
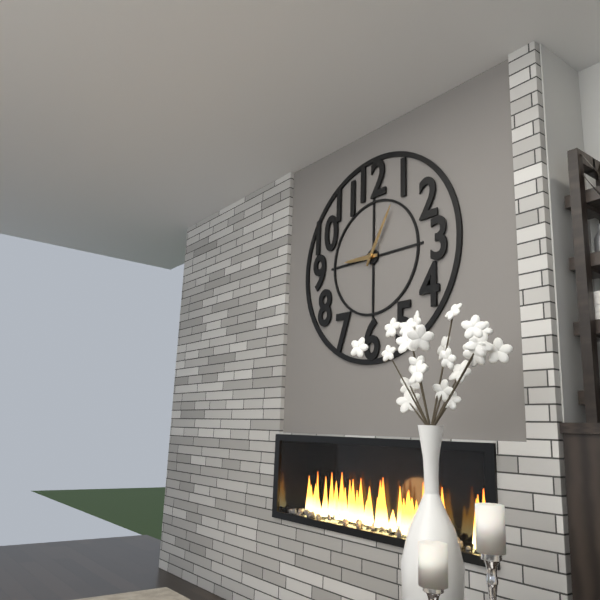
9:05
